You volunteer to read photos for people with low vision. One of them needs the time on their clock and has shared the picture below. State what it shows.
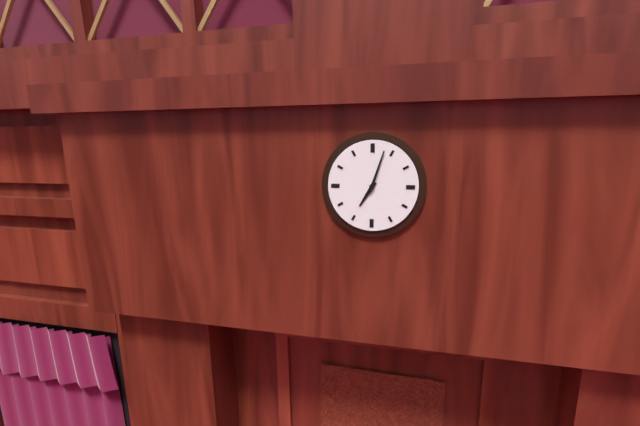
7:03
